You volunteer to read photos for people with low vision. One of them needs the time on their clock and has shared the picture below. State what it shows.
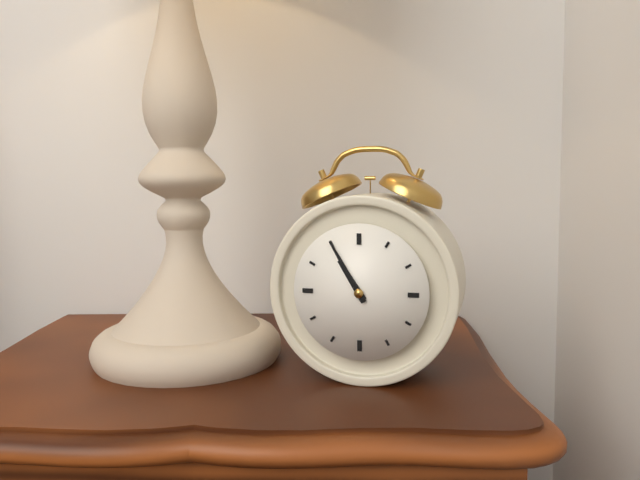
10:55
